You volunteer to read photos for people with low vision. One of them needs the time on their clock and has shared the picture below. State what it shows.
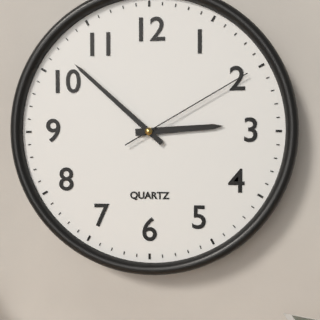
2:52:10
